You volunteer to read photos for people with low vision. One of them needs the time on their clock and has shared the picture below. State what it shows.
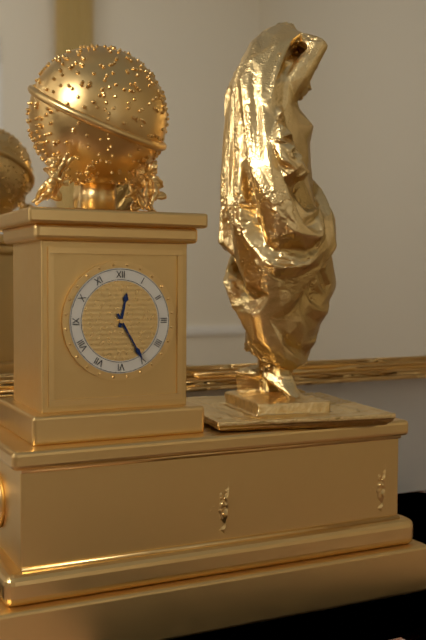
12:25
